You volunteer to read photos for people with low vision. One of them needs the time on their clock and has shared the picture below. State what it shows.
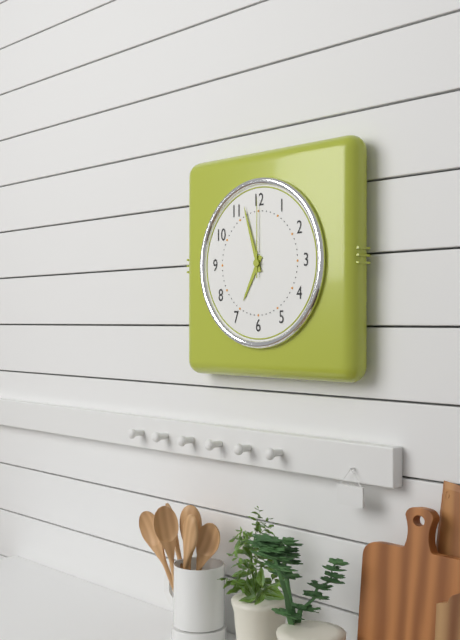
6:57:00
